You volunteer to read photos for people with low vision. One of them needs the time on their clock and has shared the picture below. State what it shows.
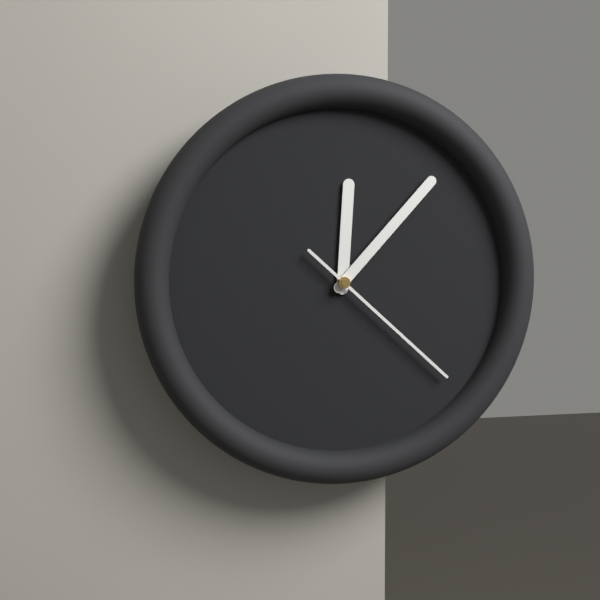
12:07:22
